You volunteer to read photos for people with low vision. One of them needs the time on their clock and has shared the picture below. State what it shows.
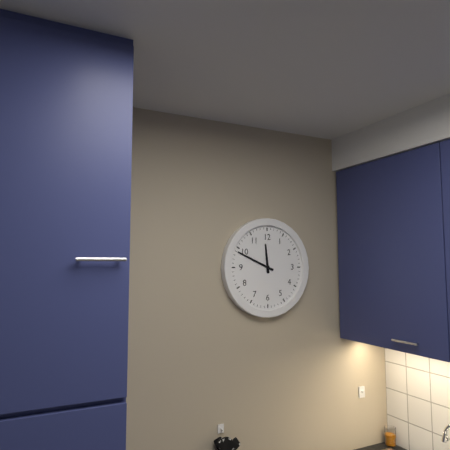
11:49
